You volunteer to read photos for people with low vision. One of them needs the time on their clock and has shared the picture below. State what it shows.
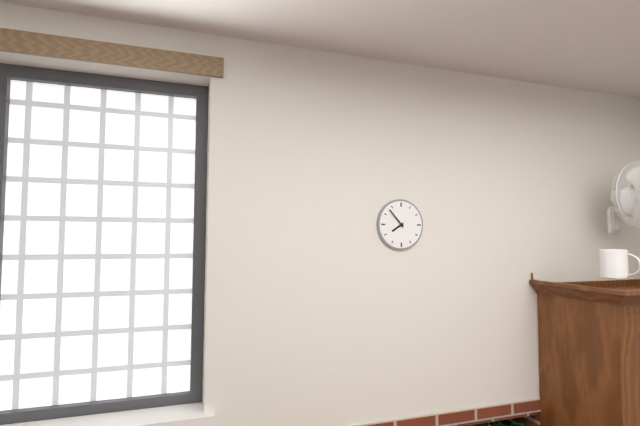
7:53
